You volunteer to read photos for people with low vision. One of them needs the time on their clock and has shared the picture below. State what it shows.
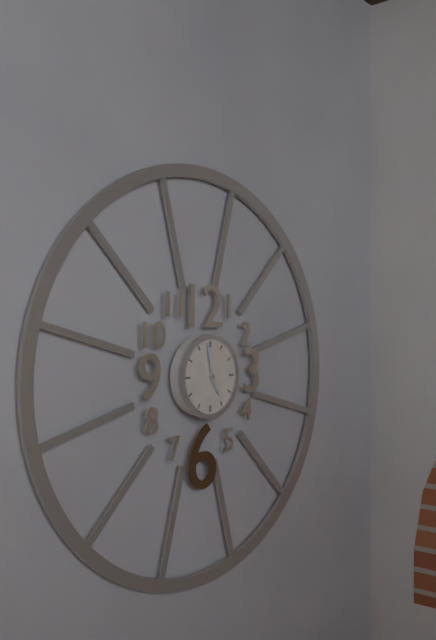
4:58
